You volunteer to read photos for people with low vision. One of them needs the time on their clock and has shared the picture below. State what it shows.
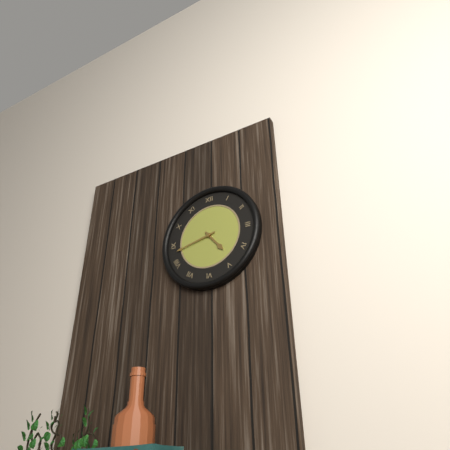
4:43
